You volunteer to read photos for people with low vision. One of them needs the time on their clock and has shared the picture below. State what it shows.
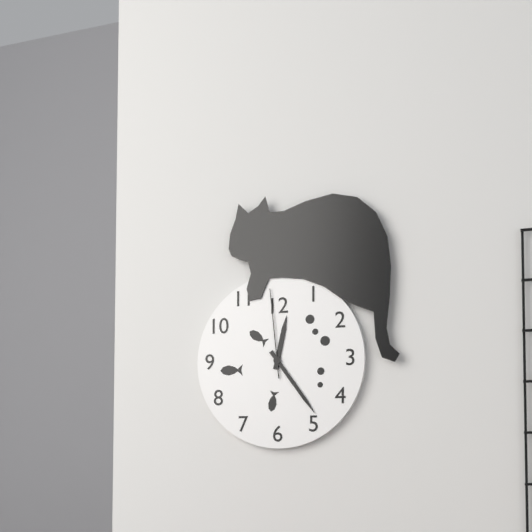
12:24:59
